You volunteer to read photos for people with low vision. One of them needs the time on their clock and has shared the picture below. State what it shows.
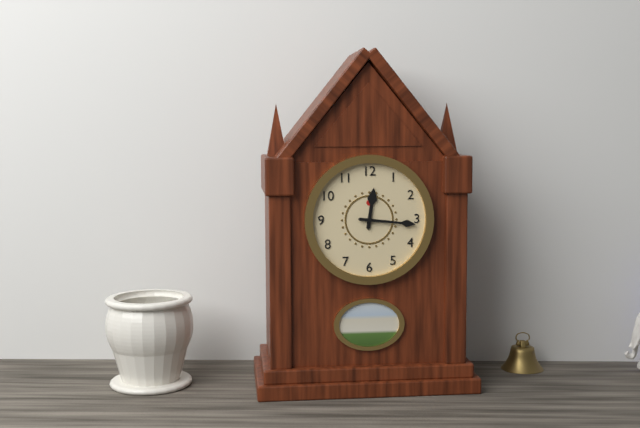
12:16
